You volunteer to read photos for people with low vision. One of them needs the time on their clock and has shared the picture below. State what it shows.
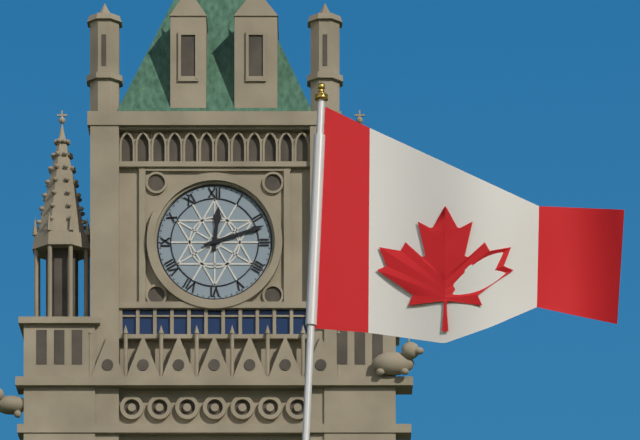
12:12
